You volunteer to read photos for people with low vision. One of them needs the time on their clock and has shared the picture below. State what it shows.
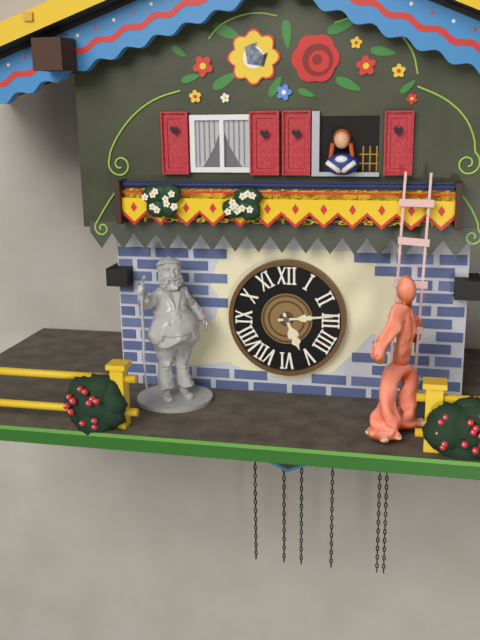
5:14
